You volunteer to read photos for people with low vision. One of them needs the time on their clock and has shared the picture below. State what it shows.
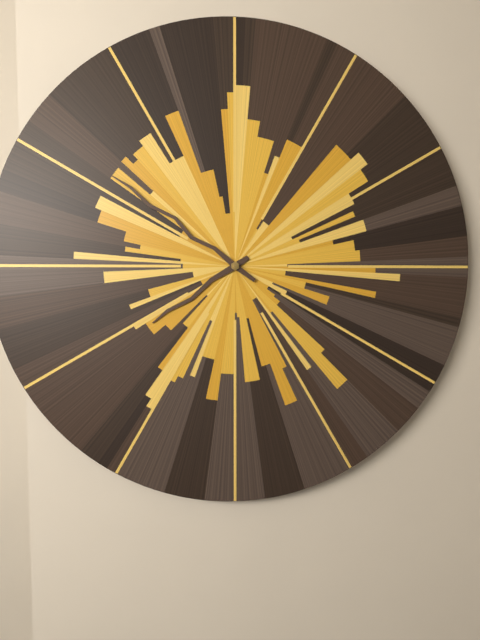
7:51
